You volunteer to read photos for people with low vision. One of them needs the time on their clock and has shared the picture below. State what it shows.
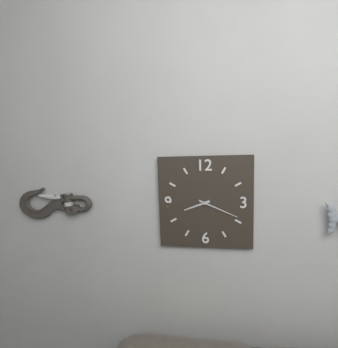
8:19
